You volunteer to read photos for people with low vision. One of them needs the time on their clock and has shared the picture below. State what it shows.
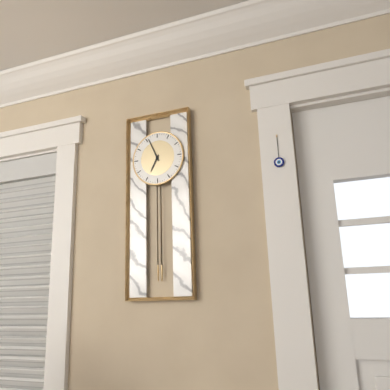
6:56
